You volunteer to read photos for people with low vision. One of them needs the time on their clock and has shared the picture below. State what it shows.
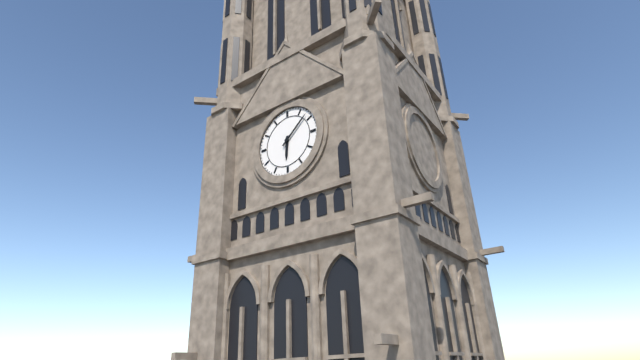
6:08
